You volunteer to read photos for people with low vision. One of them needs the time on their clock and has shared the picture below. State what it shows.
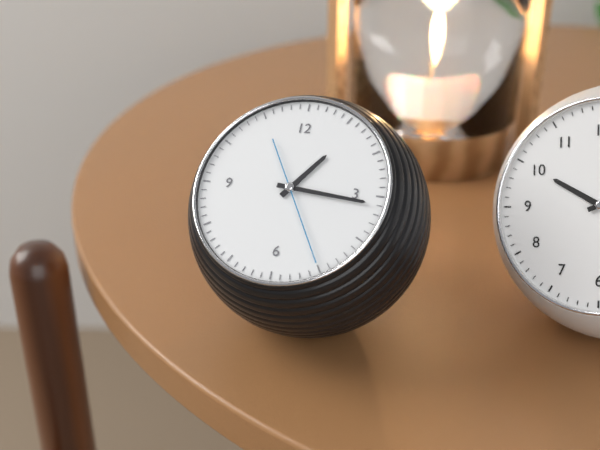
1:16:25
